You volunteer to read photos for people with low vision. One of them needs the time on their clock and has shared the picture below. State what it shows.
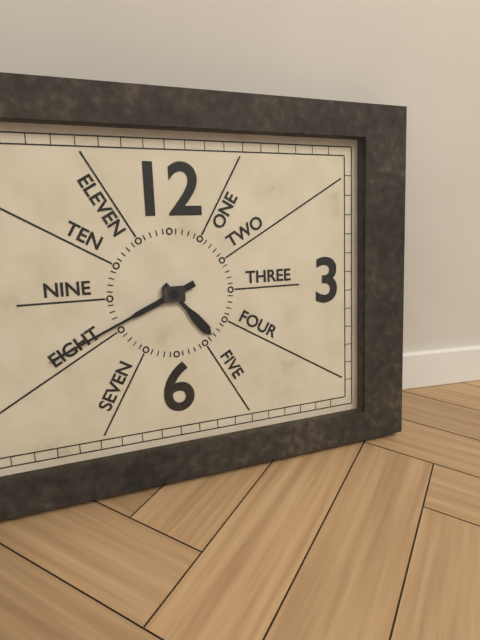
4:41
